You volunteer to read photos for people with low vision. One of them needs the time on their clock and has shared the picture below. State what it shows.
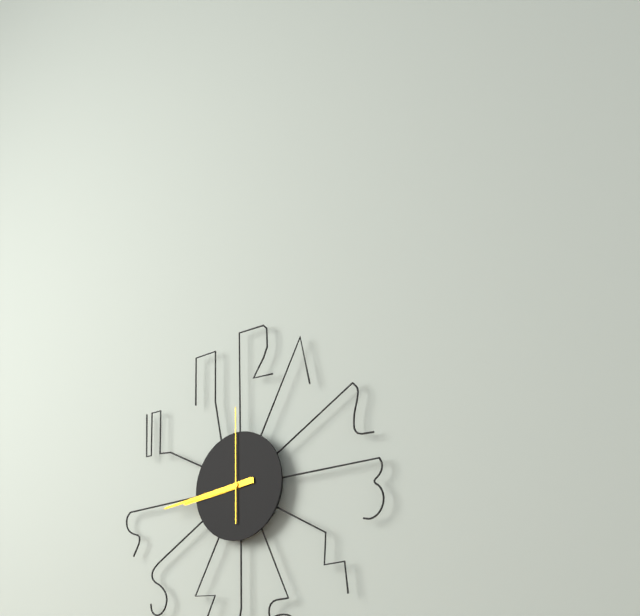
8:44:00
